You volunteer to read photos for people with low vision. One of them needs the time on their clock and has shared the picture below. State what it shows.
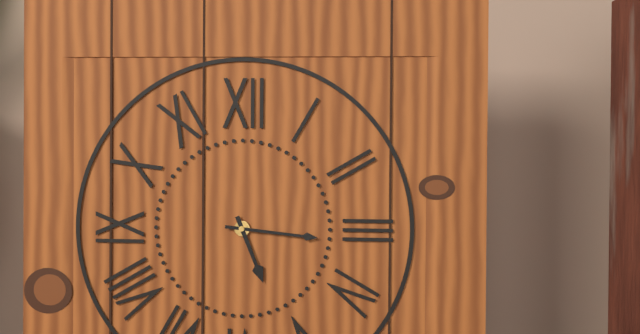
5:16
